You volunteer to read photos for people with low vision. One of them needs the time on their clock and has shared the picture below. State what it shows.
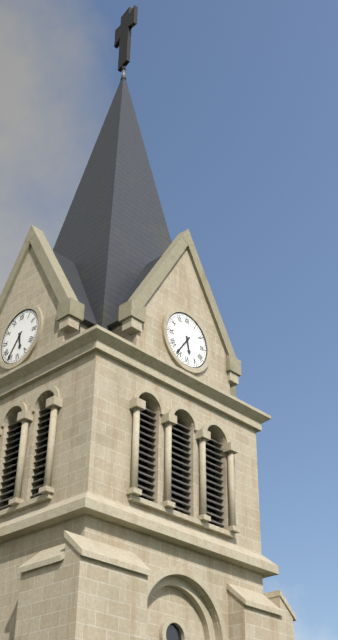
5:36
